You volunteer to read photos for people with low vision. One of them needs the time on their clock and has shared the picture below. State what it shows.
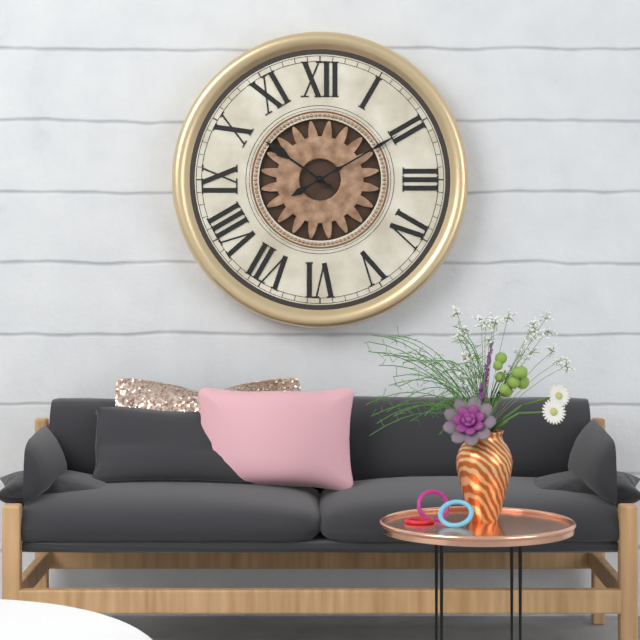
10:10
